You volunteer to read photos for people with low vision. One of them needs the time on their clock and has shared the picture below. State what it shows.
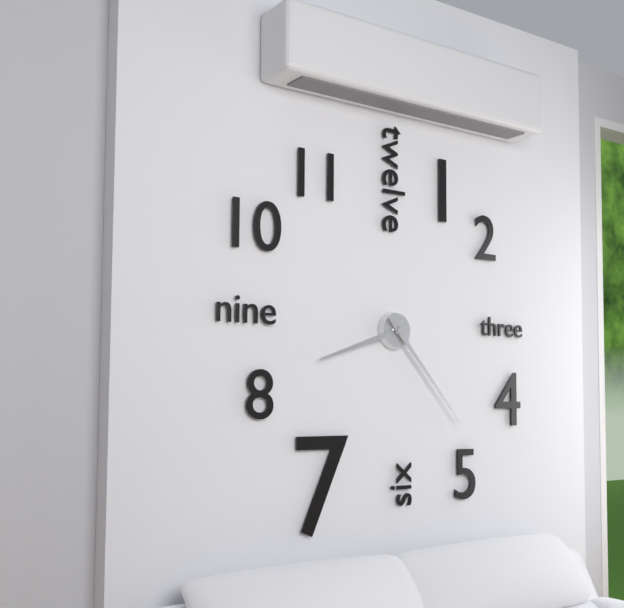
8:23
